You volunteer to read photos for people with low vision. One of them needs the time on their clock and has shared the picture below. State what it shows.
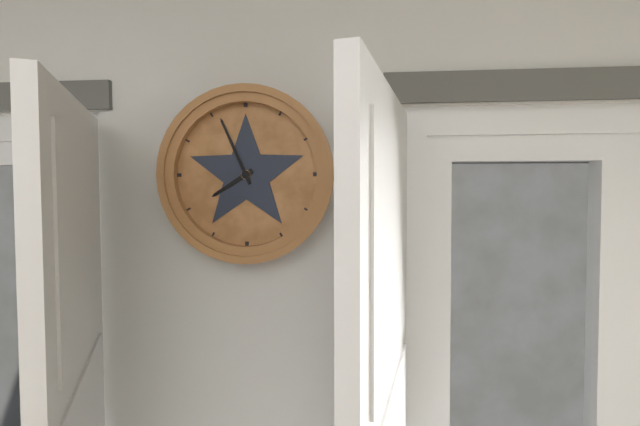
7:56
